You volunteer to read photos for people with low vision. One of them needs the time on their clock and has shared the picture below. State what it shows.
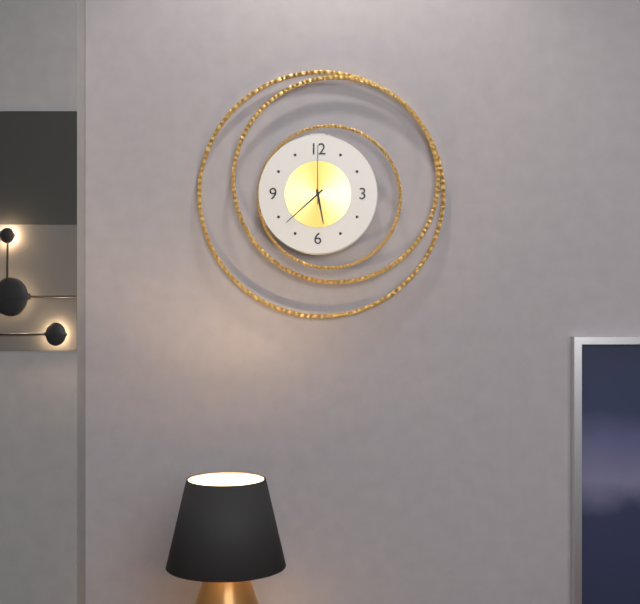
5:38:00
